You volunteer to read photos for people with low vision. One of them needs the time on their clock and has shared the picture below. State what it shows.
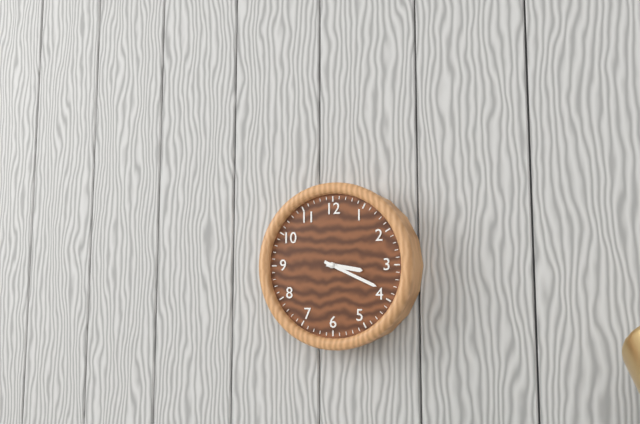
3:19
